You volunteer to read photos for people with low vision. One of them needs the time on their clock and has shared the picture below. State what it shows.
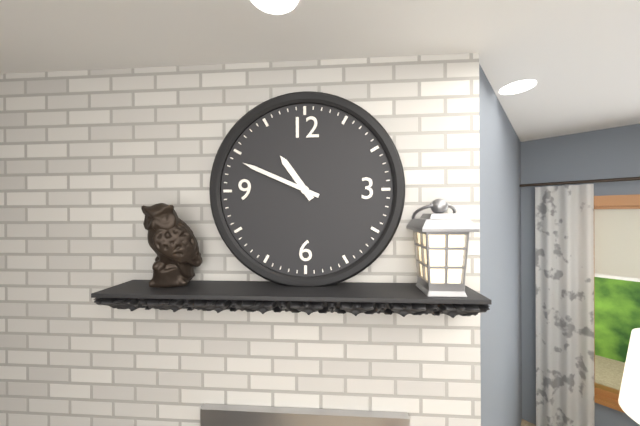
10:49
